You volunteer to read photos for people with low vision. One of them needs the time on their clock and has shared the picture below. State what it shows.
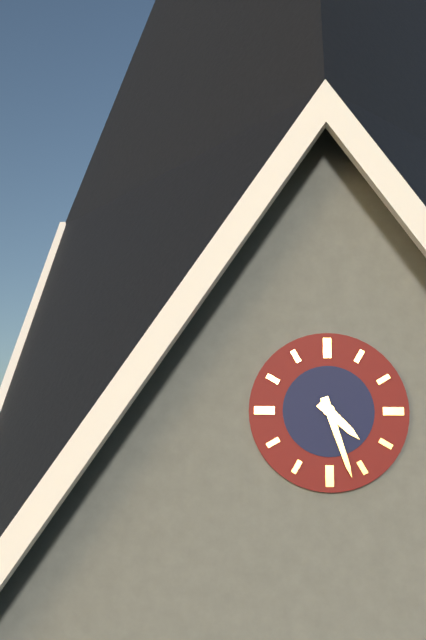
4:27
